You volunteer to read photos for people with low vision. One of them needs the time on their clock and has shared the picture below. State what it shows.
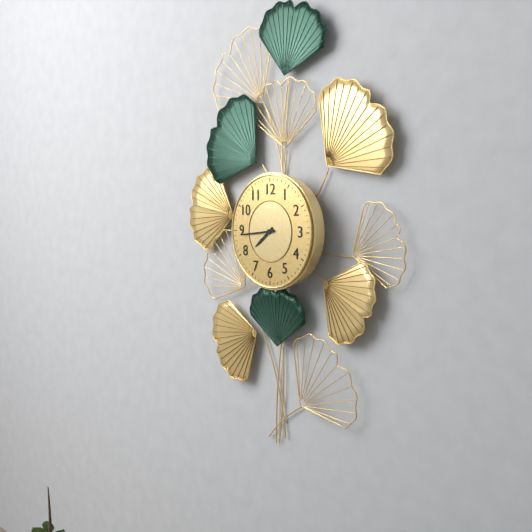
7:44
